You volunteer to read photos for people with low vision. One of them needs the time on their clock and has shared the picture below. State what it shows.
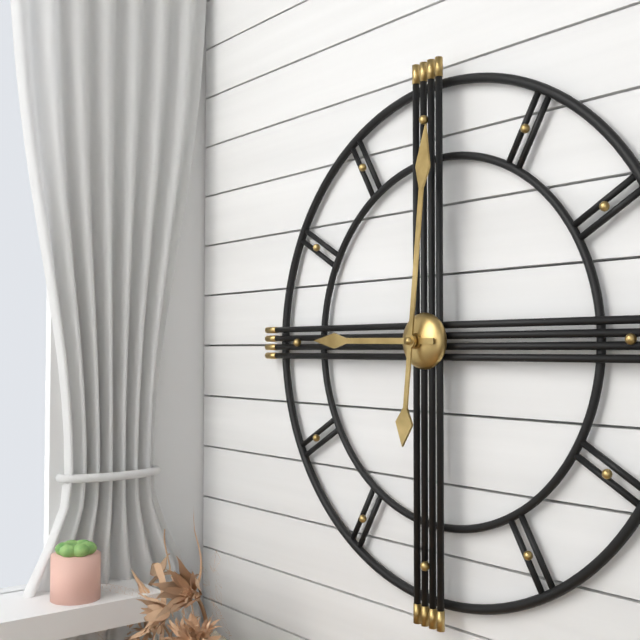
9:01
